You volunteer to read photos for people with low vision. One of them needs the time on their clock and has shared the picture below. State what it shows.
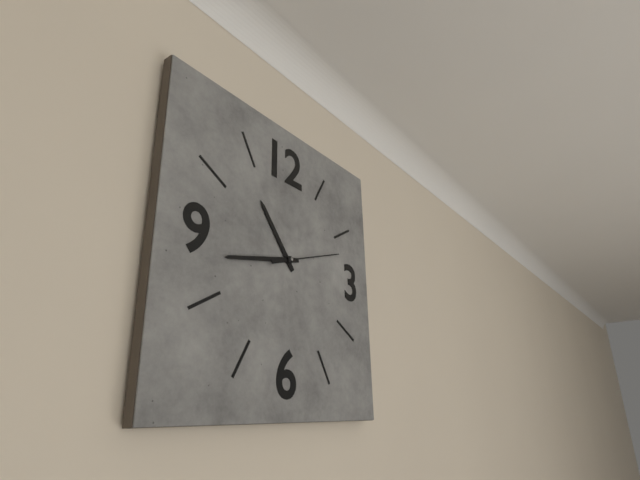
10:43:12
